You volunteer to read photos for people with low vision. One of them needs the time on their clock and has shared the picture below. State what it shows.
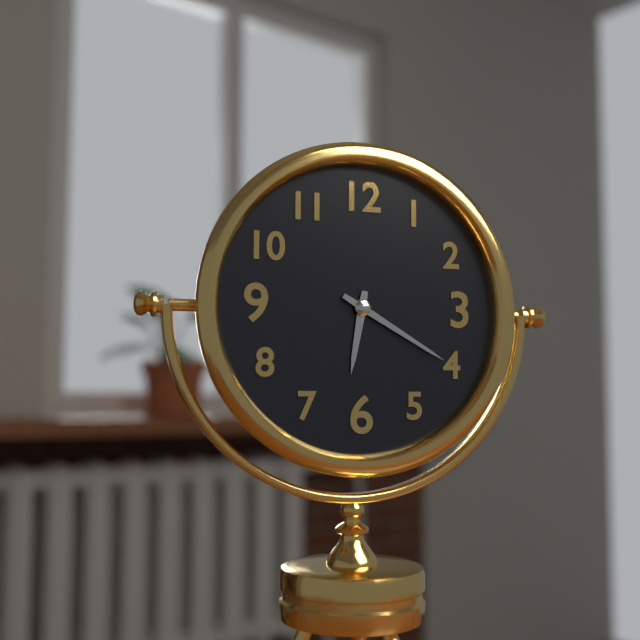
6:20
